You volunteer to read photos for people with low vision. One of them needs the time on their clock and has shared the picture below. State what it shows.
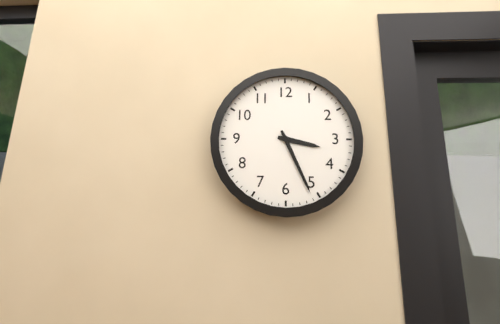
3:26
